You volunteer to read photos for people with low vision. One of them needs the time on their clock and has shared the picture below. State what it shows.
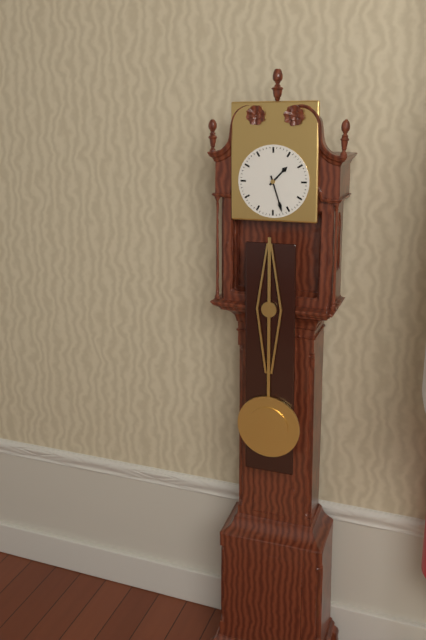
1:27
